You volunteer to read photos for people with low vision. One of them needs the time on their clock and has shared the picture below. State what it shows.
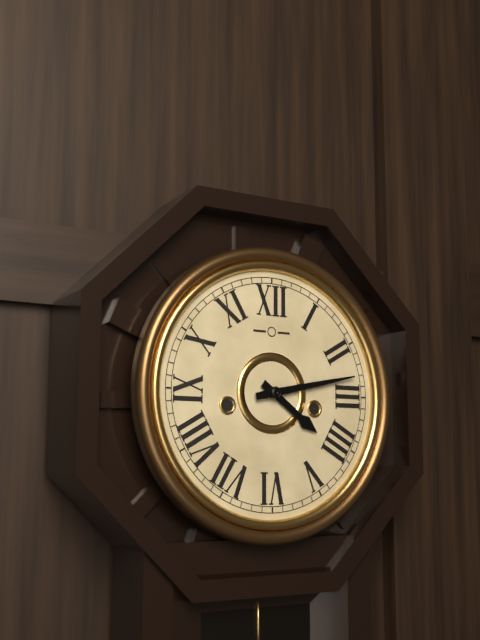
4:13
